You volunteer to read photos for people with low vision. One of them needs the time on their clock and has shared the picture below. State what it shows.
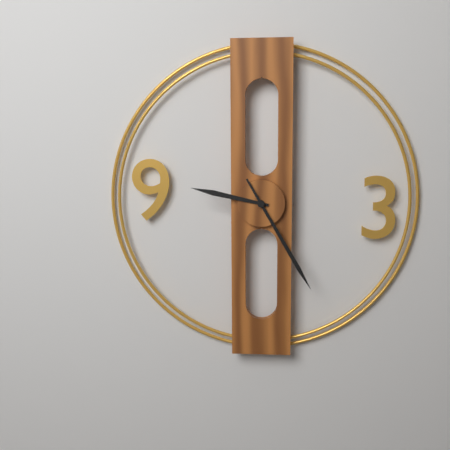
9:25
